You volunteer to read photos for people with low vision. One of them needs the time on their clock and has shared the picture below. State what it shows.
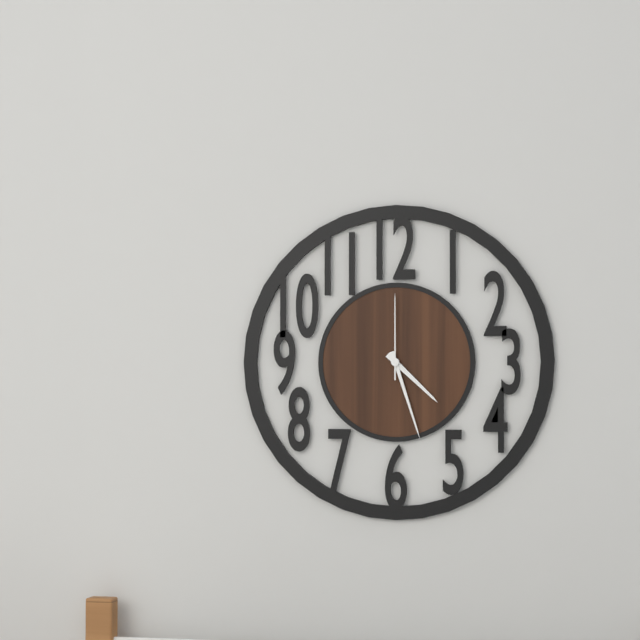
4:27:00
